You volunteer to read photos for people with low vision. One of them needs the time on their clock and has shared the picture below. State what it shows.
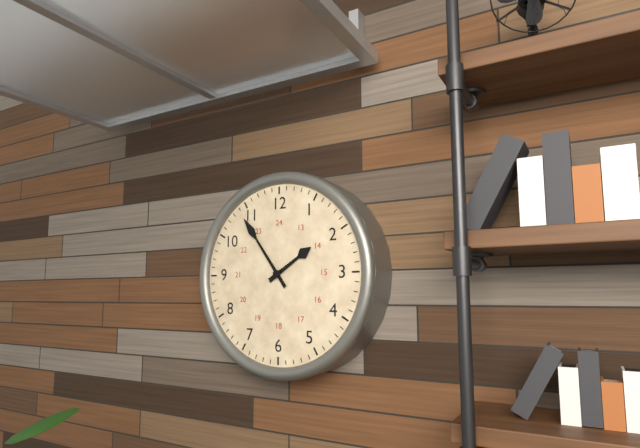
1:54
